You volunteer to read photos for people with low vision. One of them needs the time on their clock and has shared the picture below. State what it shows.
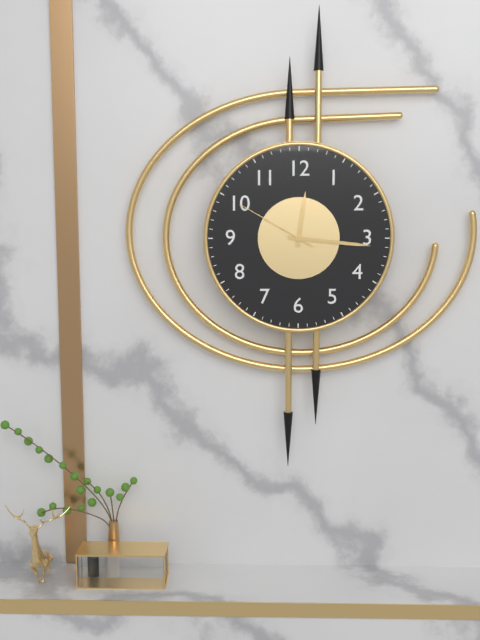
12:16:50
